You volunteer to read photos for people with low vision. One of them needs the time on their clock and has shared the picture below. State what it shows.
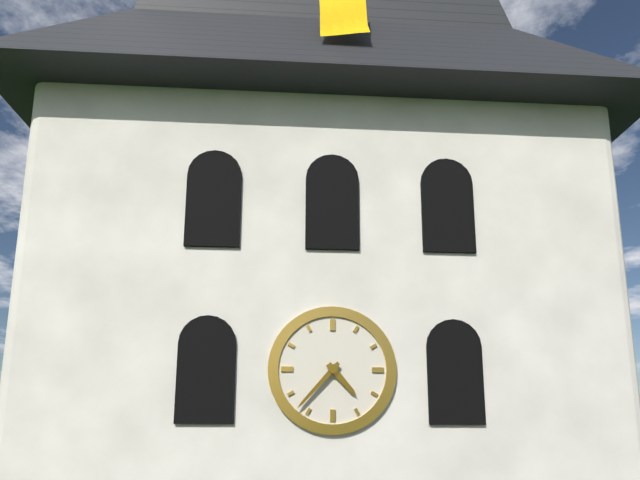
4:37
